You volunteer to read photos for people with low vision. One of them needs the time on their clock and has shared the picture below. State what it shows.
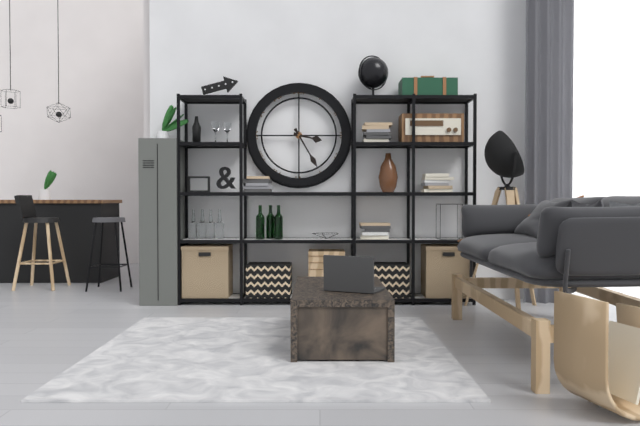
3:25
